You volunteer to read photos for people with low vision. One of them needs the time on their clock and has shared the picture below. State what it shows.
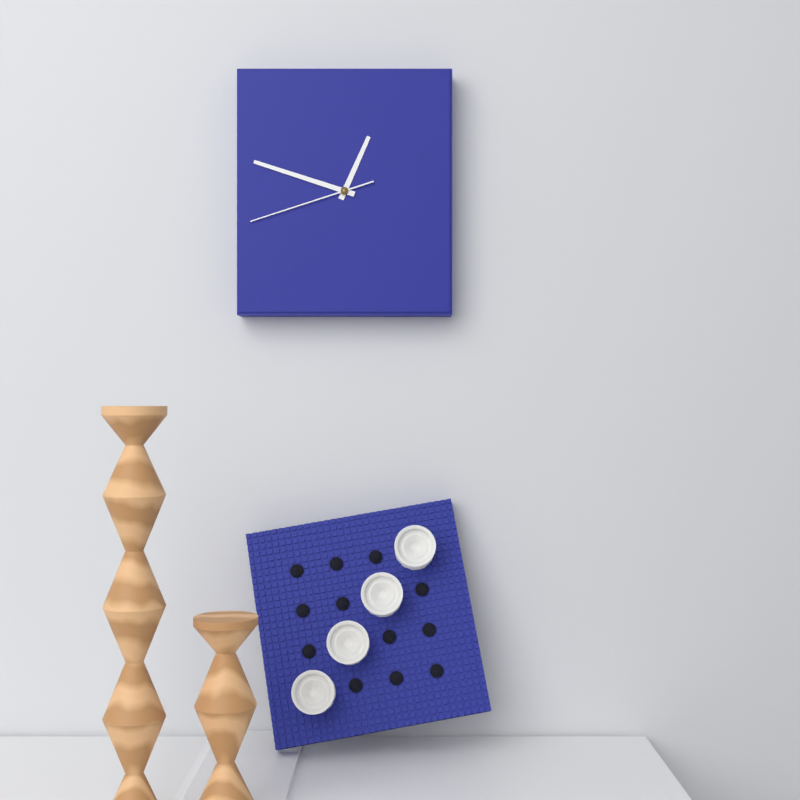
12:48:42
